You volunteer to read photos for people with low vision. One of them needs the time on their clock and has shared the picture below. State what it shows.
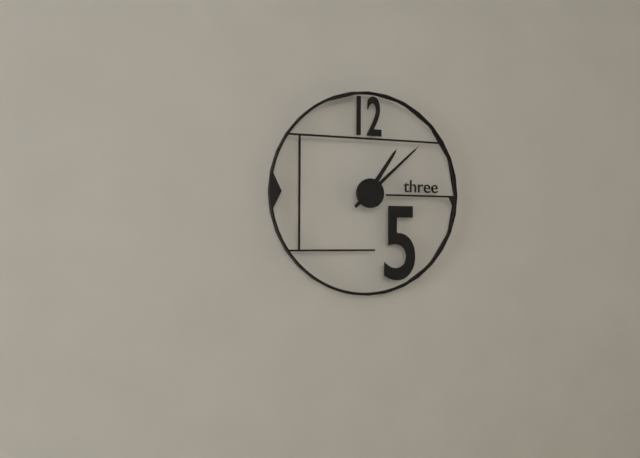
1:08
